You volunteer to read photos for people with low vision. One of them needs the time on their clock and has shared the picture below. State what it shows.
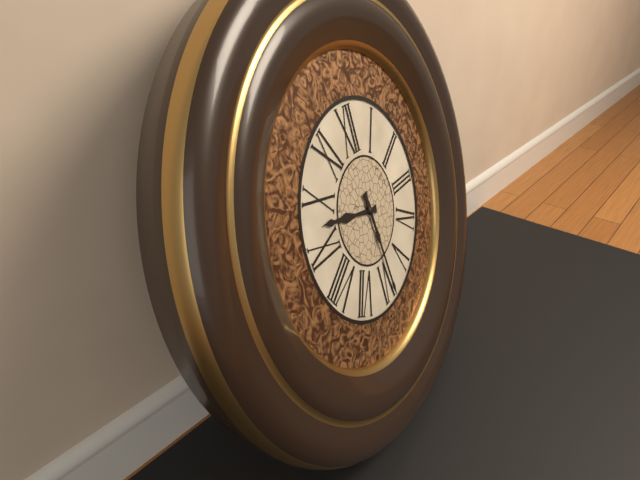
9:29
